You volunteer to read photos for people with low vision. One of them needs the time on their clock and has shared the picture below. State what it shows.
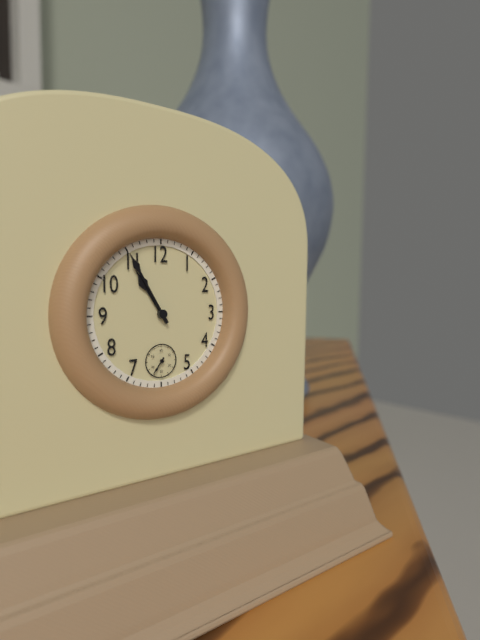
10:55
